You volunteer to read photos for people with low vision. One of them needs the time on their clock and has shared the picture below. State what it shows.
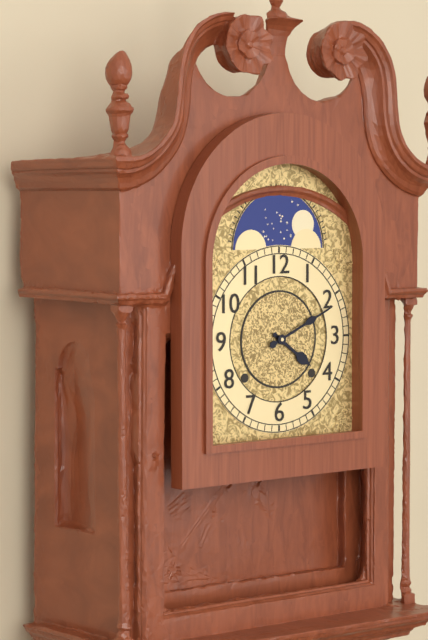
4:11
